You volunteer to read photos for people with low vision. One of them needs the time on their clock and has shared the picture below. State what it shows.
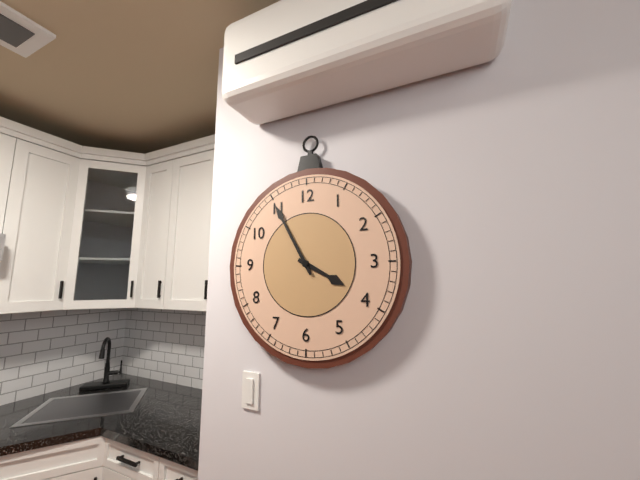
3:55
